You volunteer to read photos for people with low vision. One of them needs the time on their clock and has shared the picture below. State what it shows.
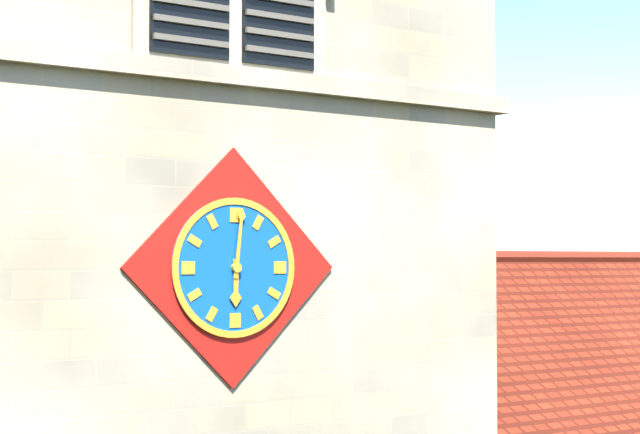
6:01
